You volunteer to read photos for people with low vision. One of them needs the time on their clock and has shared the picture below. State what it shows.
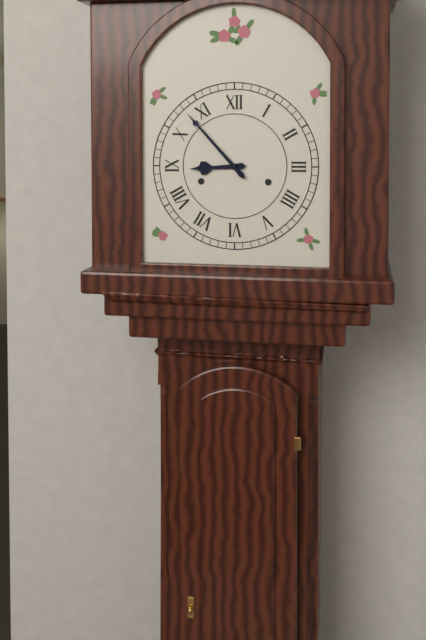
8:53
